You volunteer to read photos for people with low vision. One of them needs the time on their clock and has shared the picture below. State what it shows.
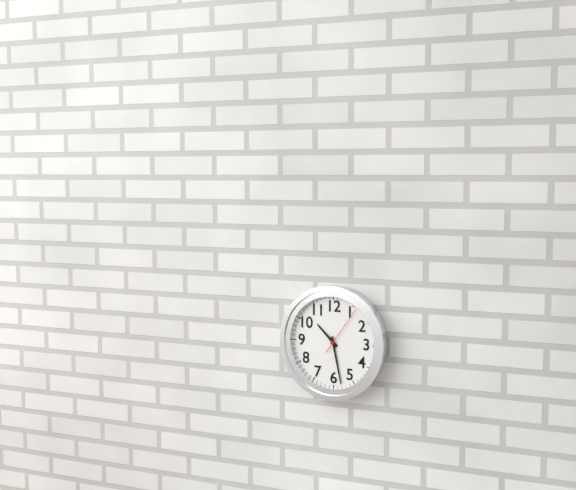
10:28:06
